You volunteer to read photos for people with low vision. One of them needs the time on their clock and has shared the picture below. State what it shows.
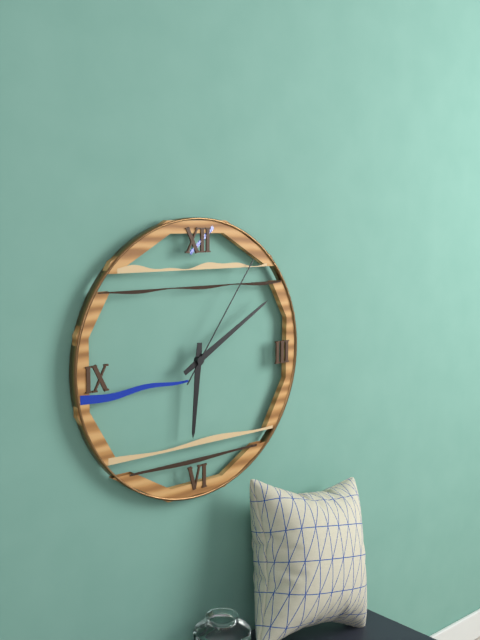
6:10:06
